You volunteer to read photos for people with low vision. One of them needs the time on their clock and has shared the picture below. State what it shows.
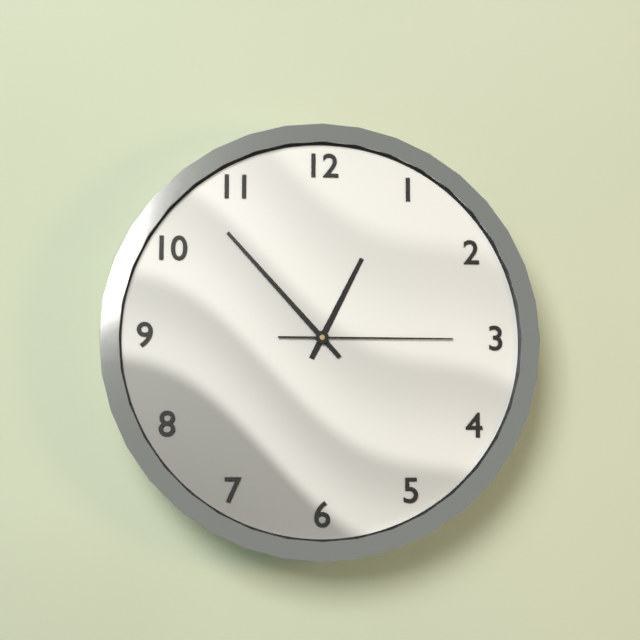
12:53:15
